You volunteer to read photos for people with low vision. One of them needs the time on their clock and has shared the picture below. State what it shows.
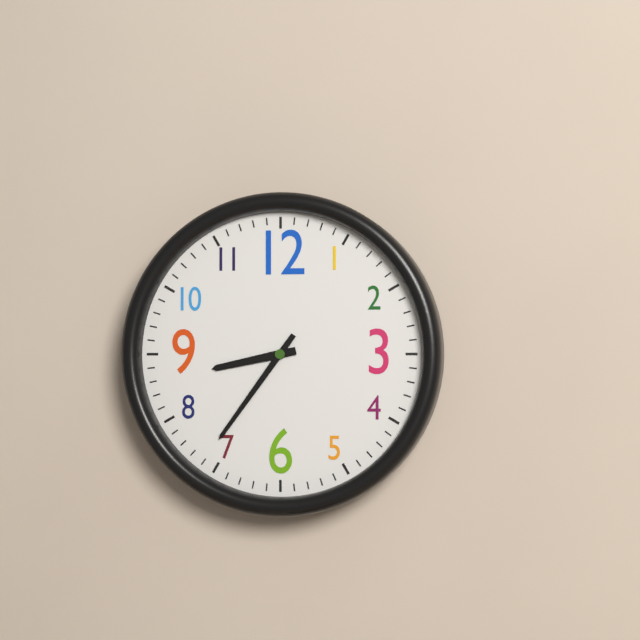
8:36
